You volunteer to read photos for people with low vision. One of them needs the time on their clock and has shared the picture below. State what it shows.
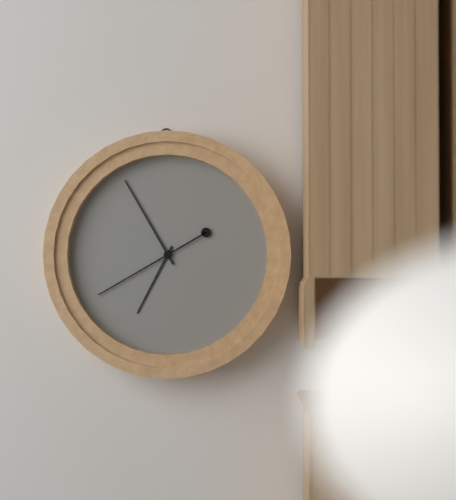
6:55:40
